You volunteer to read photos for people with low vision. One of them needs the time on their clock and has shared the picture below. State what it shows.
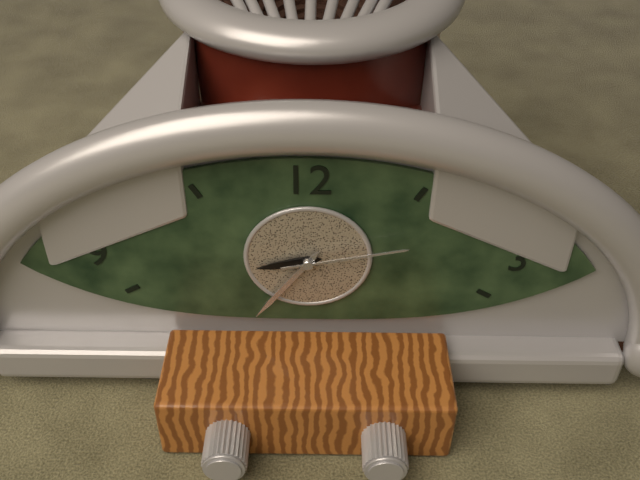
8:36:13
